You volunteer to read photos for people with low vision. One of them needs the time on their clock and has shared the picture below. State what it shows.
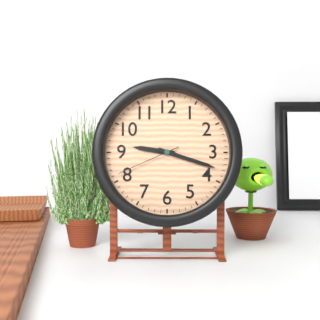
9:18:41
